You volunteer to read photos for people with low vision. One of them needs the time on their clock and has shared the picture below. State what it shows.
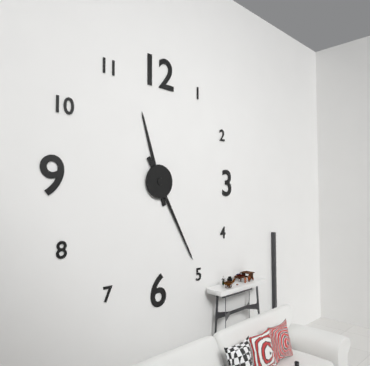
11:25
